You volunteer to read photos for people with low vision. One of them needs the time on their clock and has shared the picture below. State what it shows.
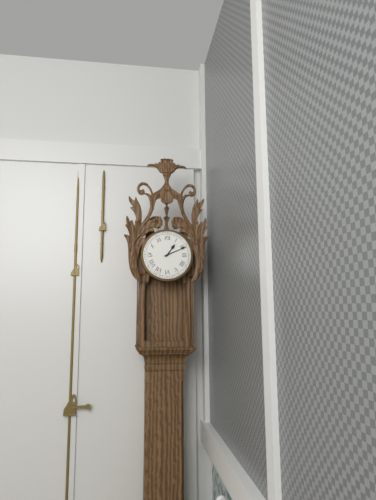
1:11
